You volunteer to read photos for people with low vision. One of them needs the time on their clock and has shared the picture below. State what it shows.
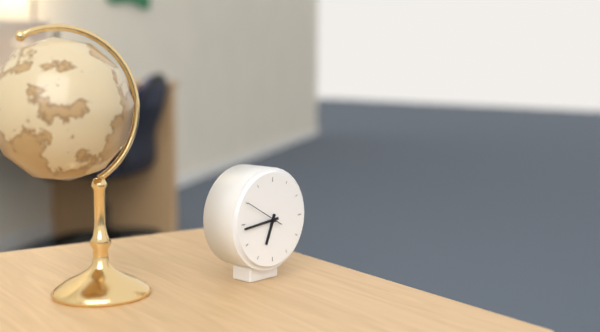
6:44
